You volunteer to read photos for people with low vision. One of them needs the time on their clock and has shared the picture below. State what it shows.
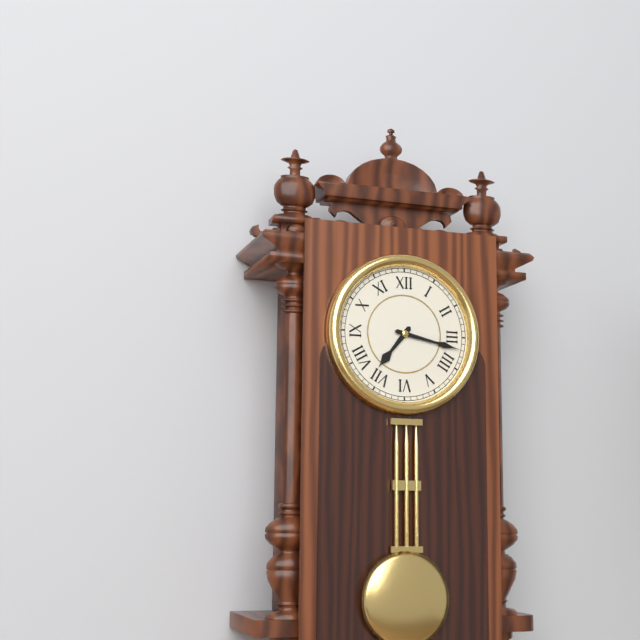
7:17
